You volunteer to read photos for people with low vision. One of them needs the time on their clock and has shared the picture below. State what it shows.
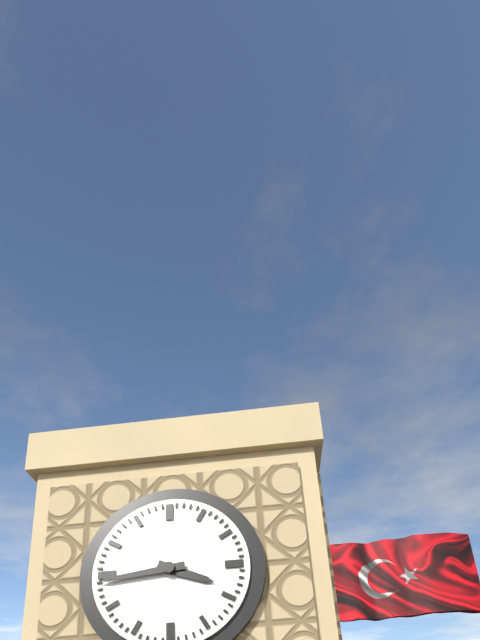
3:44
